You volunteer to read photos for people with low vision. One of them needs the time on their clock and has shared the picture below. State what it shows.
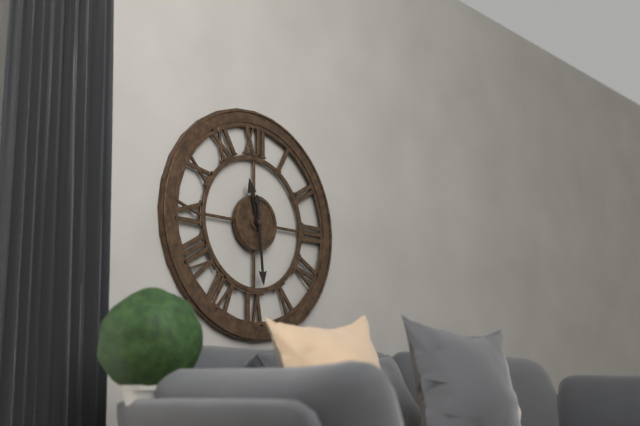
11:29
